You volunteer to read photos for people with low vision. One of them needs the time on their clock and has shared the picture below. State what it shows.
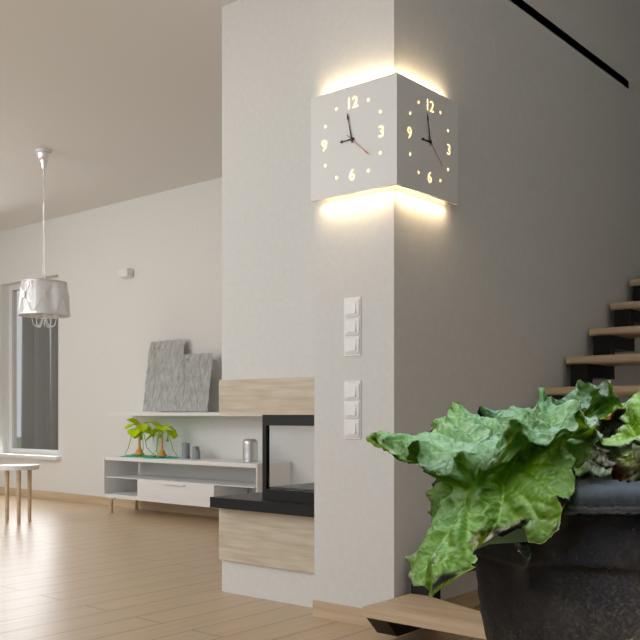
8:58
